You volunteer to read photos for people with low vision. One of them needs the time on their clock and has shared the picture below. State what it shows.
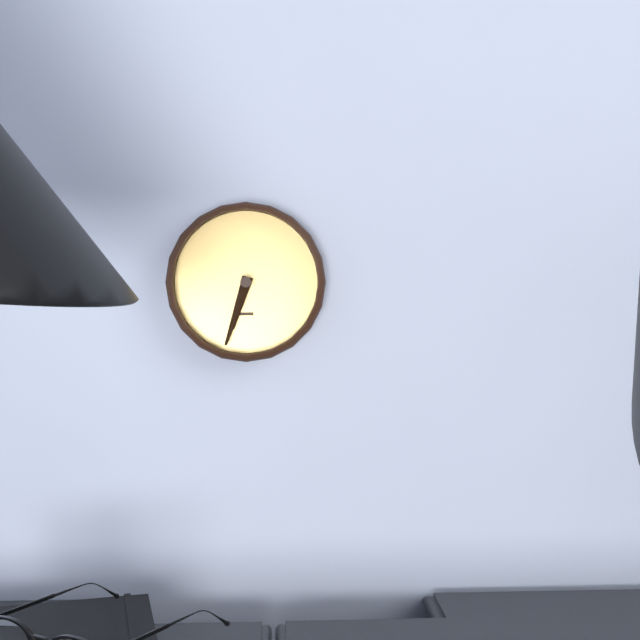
6:33
